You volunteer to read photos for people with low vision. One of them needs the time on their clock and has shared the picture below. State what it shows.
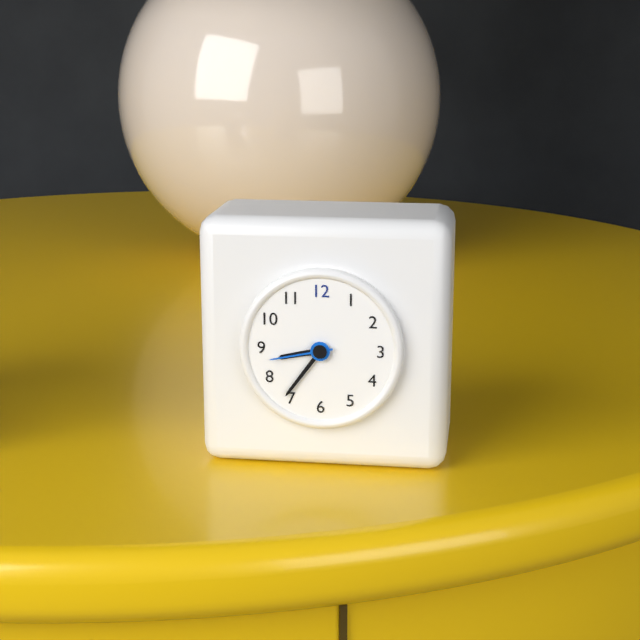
8:36:43
